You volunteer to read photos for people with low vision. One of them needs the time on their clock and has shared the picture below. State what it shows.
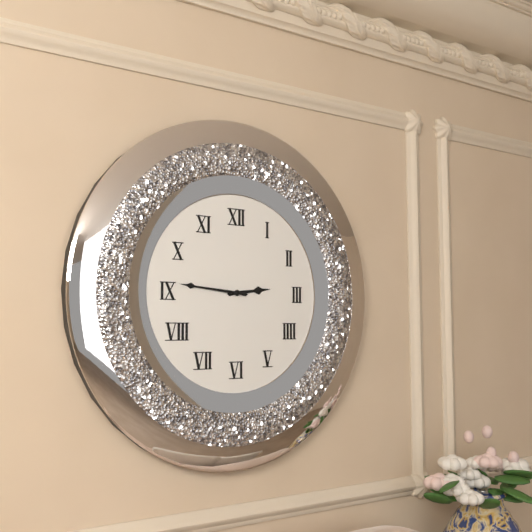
2:46
